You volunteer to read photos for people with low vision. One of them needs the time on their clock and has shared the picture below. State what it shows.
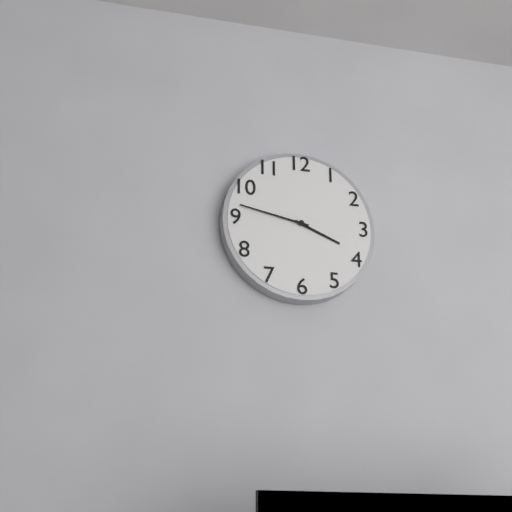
3:47
